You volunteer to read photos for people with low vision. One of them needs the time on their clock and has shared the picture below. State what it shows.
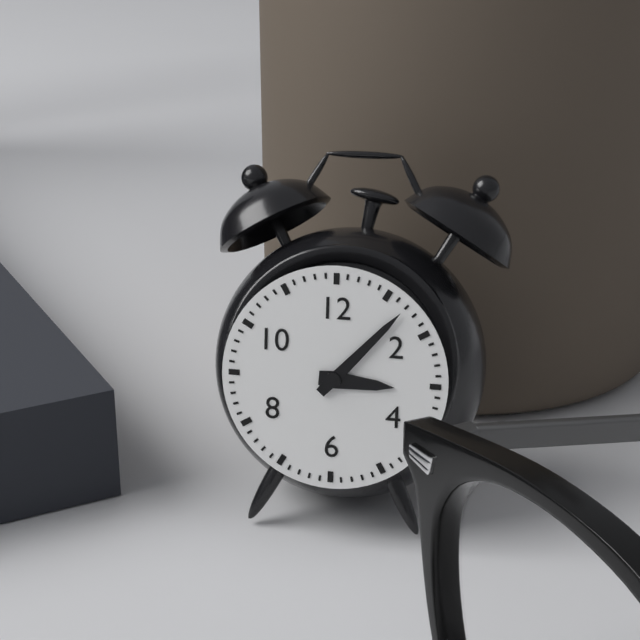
3:07
